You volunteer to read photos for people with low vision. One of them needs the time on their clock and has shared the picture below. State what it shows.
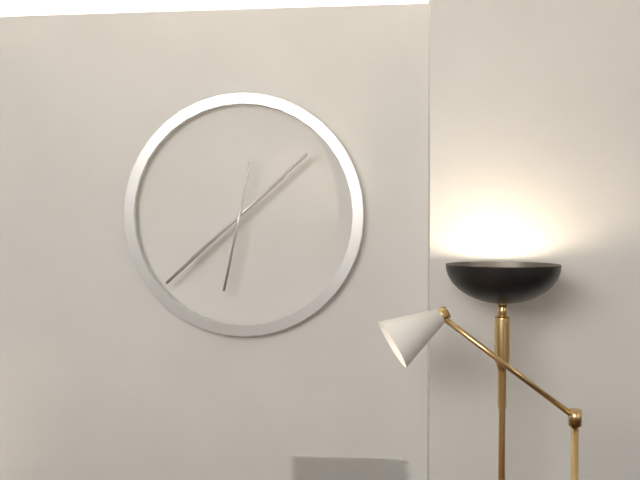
7:38:32
